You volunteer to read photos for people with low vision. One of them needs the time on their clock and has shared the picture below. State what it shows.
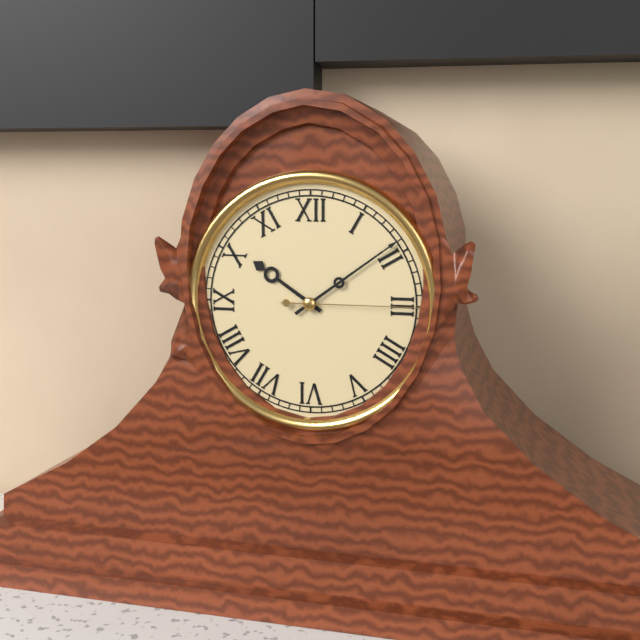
10:09:15
